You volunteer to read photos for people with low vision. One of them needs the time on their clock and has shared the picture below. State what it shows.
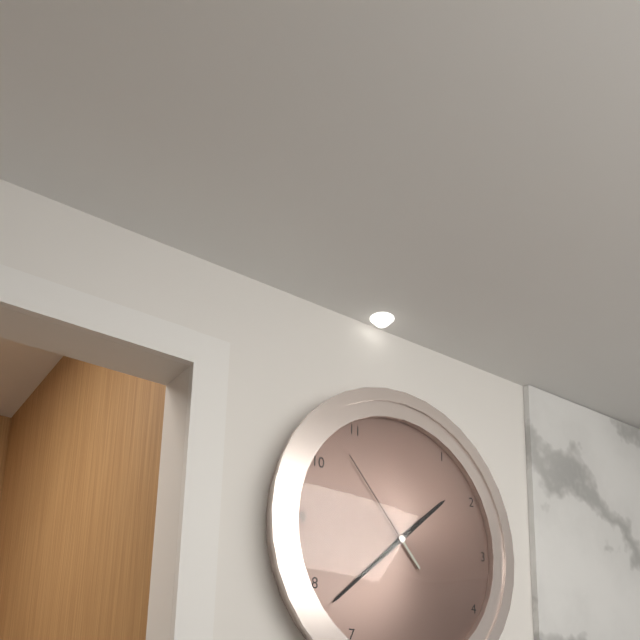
1:38:53
